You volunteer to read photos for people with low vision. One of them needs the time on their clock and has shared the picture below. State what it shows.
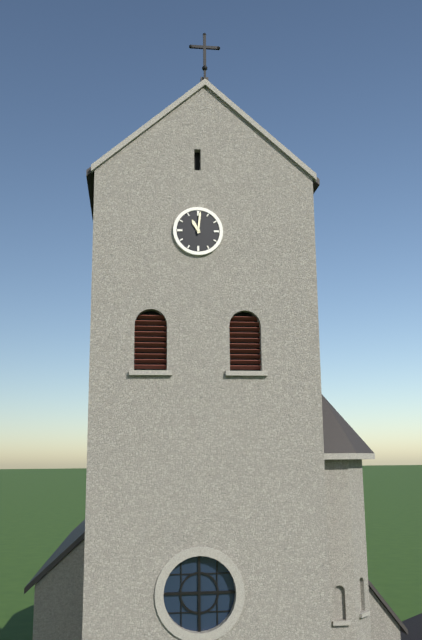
11:01
